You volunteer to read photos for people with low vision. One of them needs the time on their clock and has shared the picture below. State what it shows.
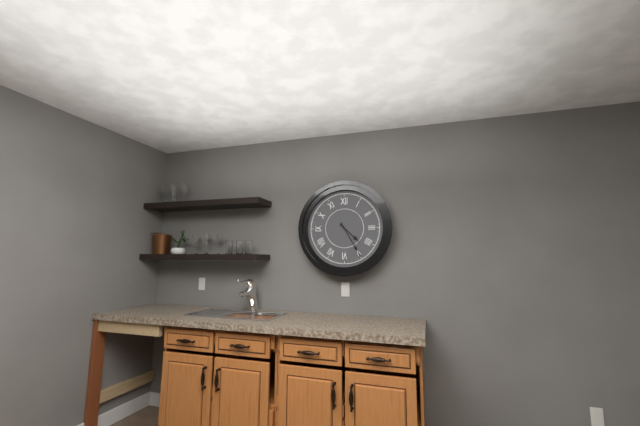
4:25
